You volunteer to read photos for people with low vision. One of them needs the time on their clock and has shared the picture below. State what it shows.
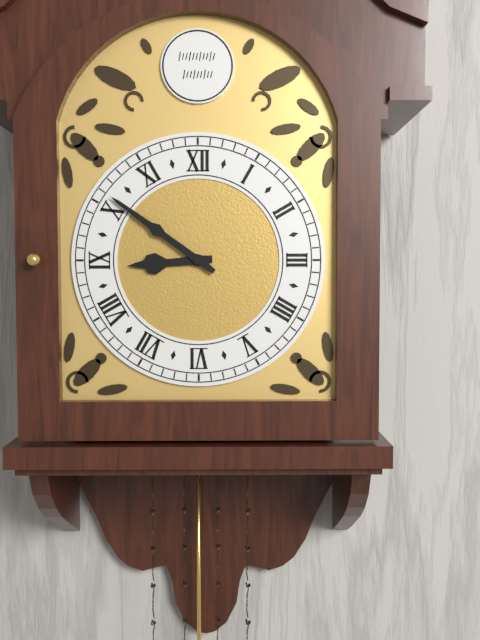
8:51
